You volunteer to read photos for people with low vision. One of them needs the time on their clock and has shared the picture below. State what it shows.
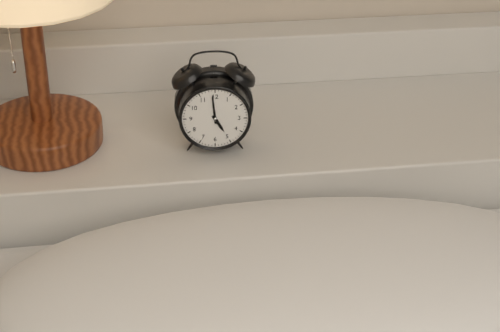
4:59
